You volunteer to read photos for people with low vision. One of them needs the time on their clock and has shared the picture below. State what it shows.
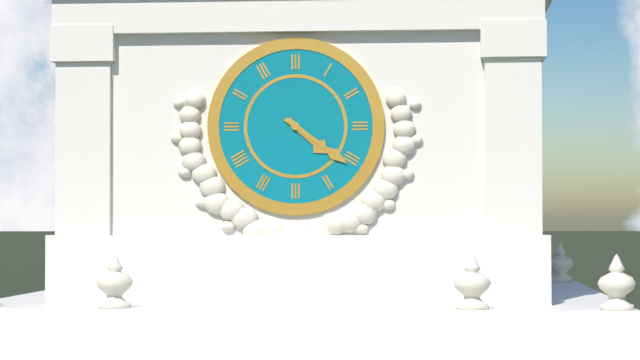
4:21
